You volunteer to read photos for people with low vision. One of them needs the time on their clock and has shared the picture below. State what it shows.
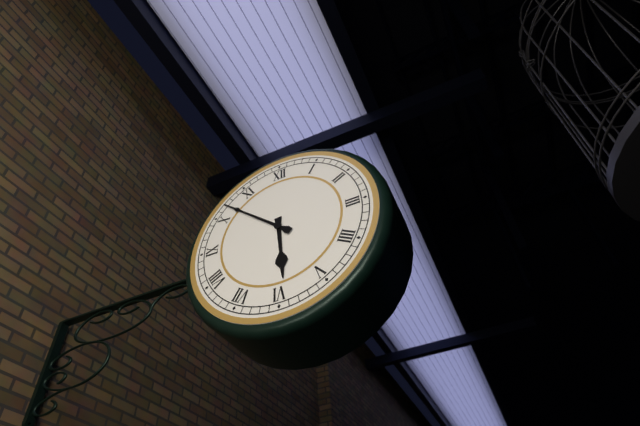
5:52
